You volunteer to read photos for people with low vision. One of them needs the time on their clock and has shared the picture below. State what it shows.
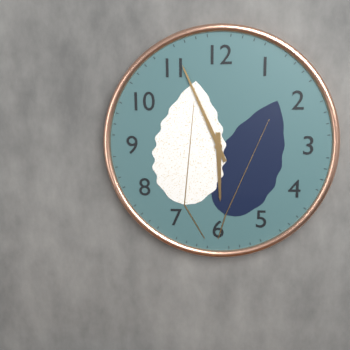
5:56
